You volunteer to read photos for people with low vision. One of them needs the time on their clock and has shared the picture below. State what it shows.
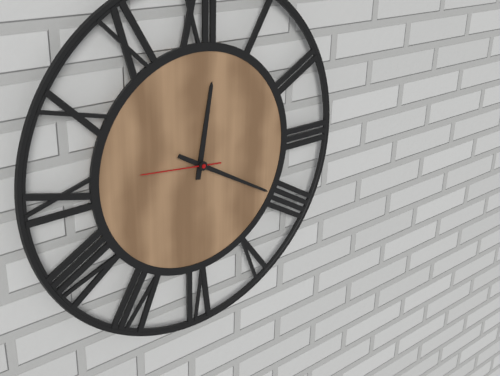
12:20:46
